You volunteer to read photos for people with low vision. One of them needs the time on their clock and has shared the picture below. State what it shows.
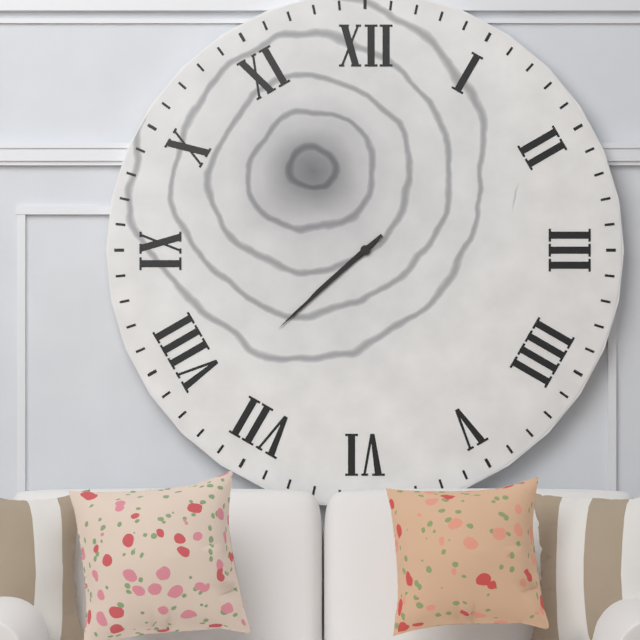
7:38
